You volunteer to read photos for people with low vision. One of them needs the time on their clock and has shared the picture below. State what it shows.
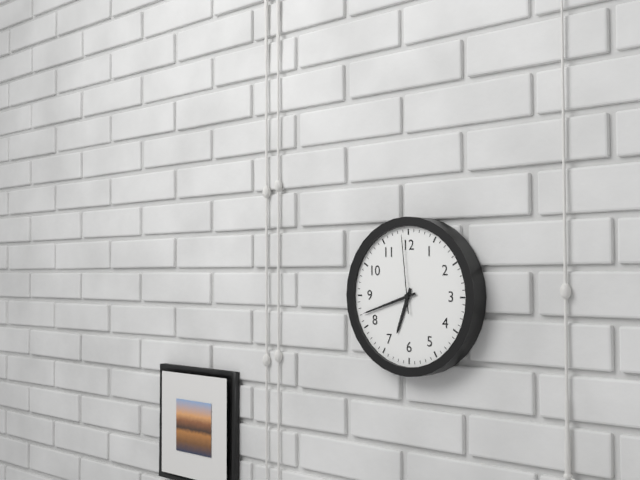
6:42:59
